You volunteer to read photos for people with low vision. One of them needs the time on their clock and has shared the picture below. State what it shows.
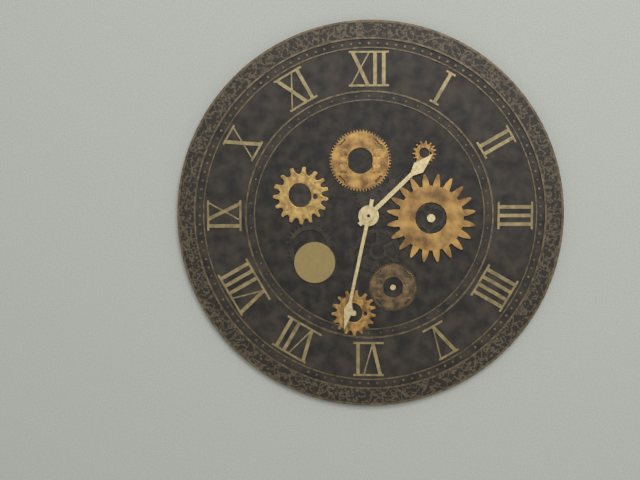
1:32
